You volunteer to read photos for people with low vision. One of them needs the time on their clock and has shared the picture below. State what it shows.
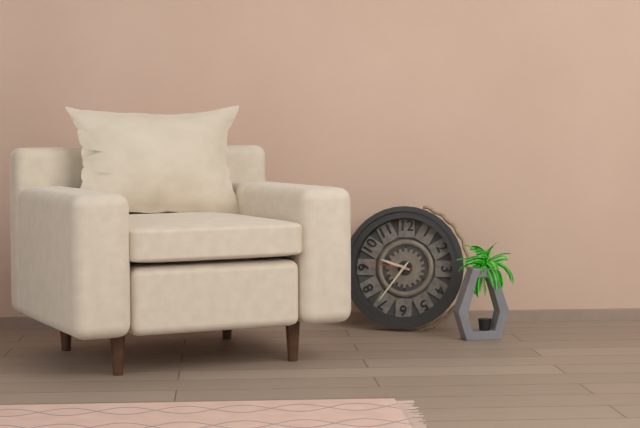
9:36:46
